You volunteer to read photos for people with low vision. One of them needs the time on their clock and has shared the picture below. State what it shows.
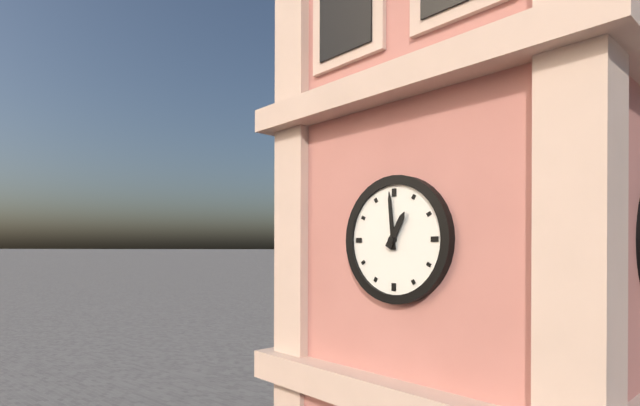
12:59
